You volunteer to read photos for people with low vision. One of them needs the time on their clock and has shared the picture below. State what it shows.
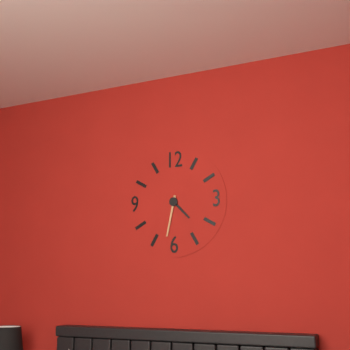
4:32
